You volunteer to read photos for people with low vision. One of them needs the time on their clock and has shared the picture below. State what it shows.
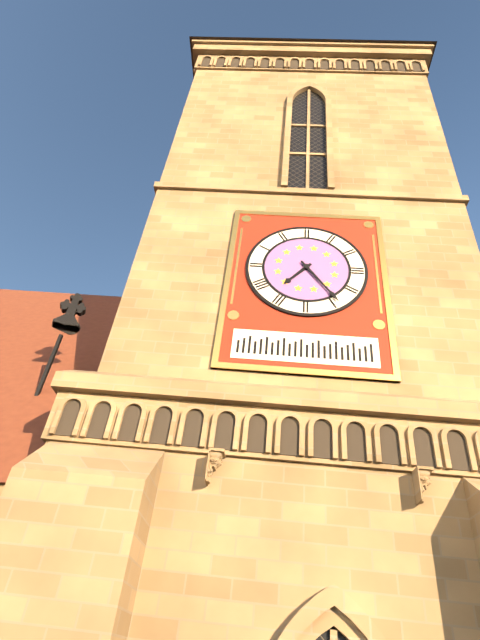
7:24
